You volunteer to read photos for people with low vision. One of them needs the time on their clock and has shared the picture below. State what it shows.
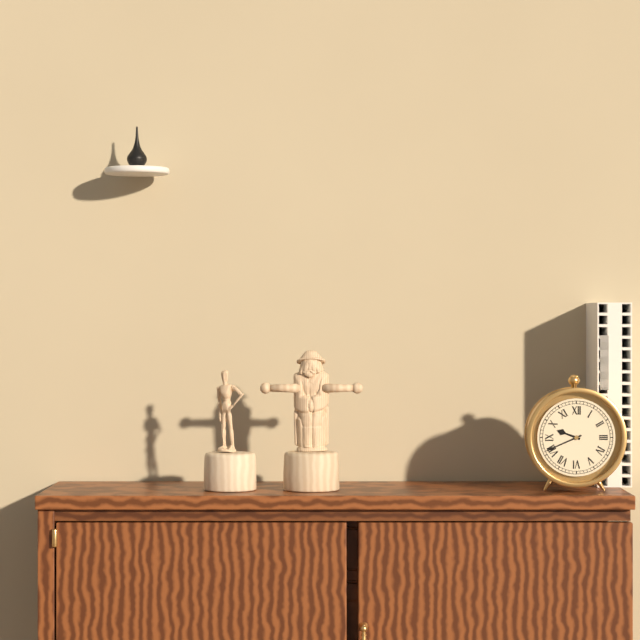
9:41
